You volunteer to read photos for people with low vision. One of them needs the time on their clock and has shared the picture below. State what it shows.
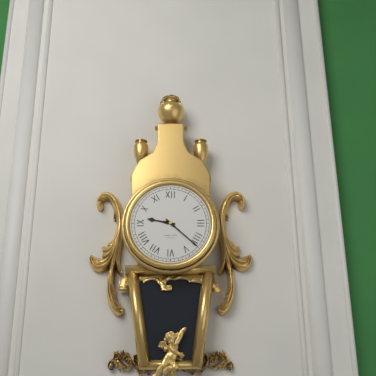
9:22
